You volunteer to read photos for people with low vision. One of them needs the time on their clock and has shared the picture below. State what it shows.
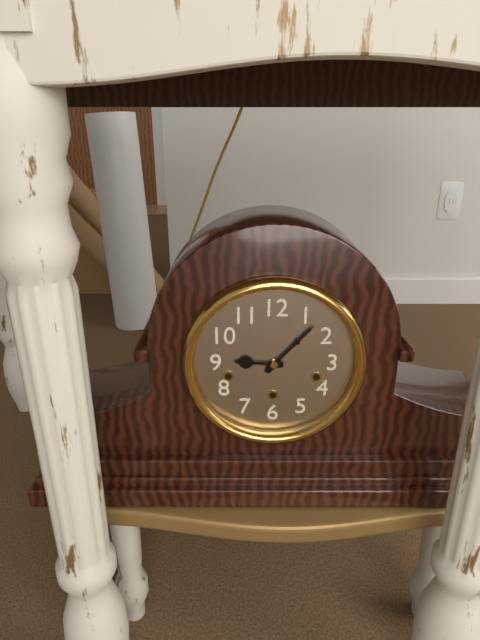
9:07
